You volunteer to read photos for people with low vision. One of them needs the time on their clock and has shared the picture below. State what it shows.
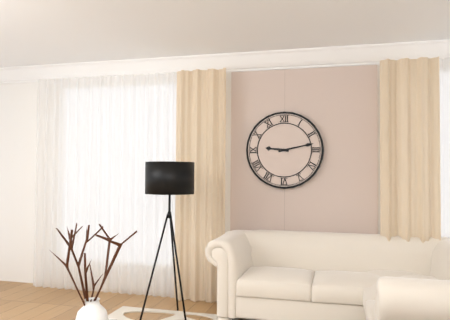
9:13
